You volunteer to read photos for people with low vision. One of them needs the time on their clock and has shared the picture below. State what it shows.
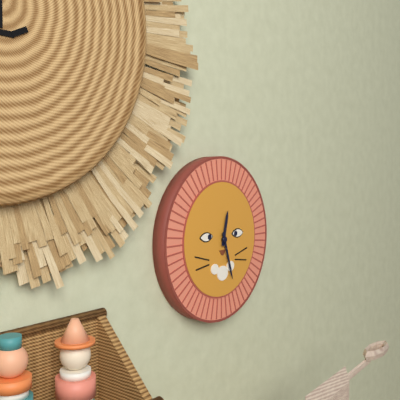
12:27
